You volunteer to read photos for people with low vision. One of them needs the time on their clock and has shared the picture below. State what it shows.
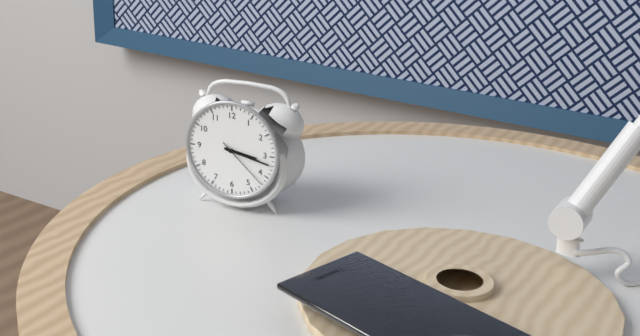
3:17:22
